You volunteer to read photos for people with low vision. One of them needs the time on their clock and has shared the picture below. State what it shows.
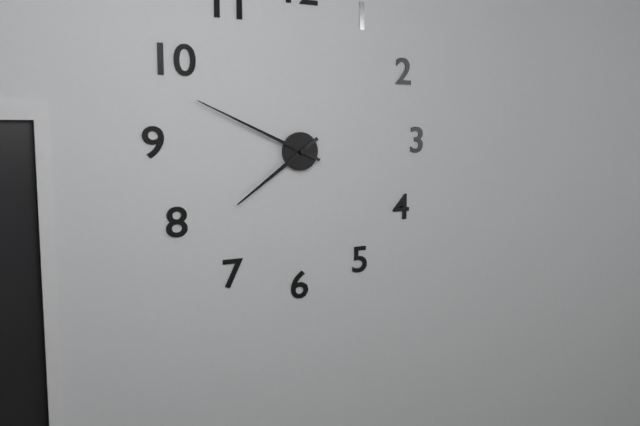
7:49
